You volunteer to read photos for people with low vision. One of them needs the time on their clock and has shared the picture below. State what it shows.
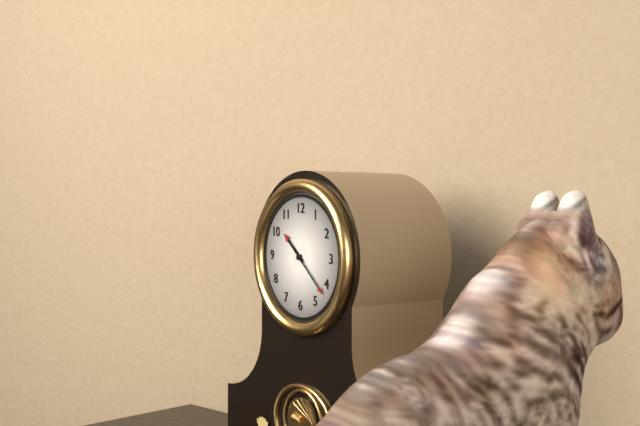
10:22
